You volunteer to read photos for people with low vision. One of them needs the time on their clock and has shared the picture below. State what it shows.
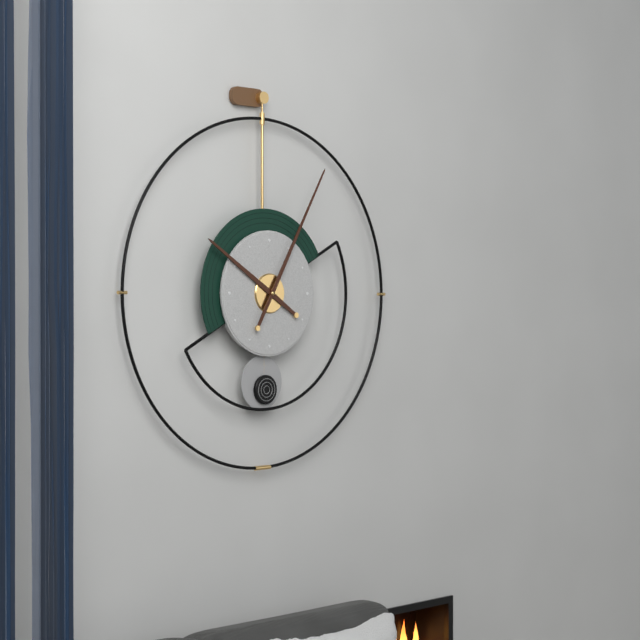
10:05
